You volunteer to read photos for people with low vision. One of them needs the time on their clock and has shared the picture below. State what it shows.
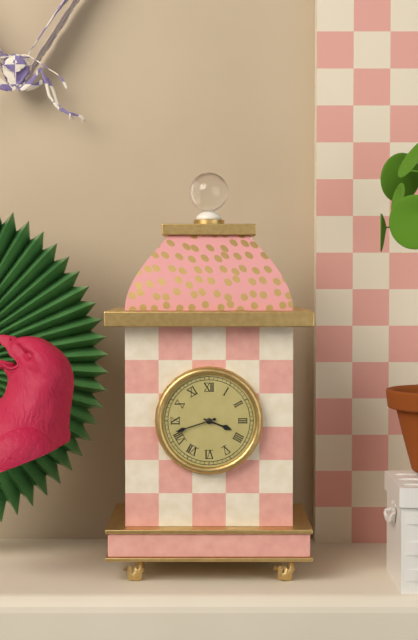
3:42
